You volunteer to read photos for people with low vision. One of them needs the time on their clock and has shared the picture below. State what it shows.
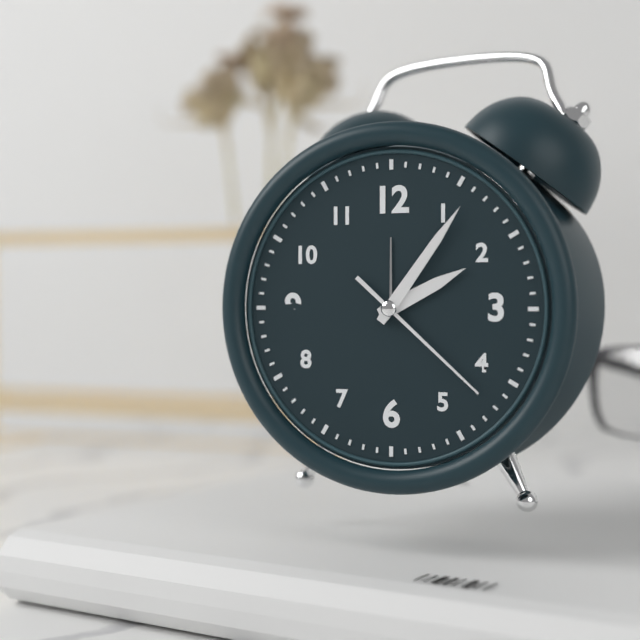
2:06:22
